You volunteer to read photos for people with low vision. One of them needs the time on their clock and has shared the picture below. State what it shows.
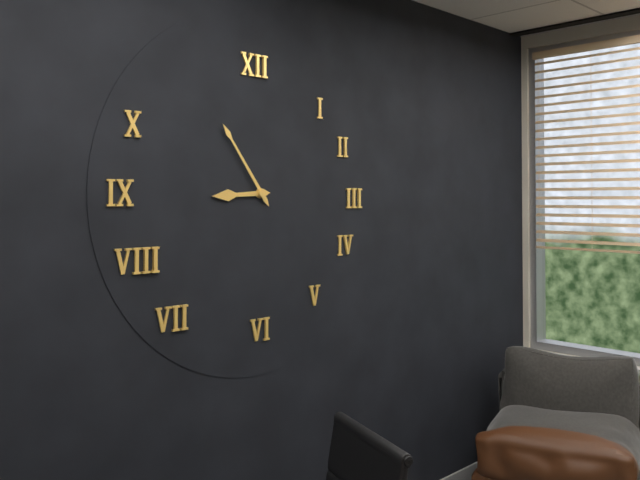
8:54
